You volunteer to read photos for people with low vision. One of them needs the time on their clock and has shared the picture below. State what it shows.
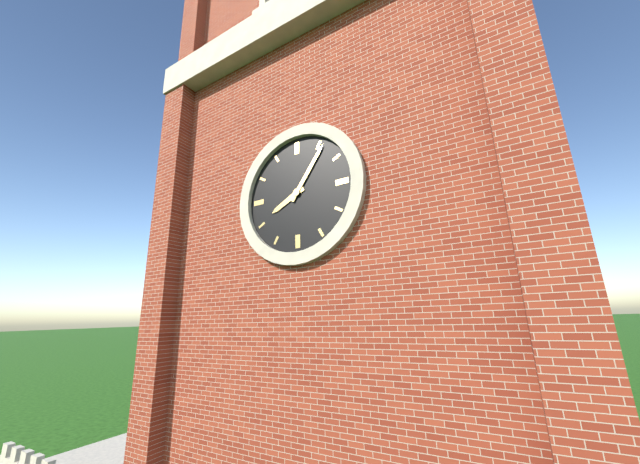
8:06
